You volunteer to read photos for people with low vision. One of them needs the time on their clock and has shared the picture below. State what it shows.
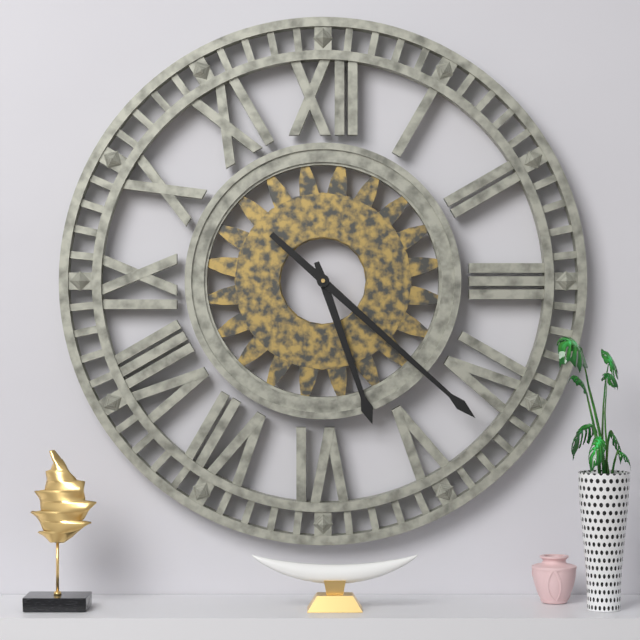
5:22
